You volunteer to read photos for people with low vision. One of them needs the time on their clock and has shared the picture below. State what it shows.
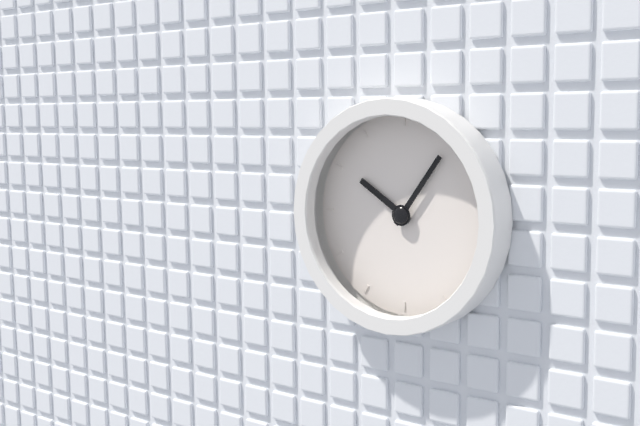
10:06
